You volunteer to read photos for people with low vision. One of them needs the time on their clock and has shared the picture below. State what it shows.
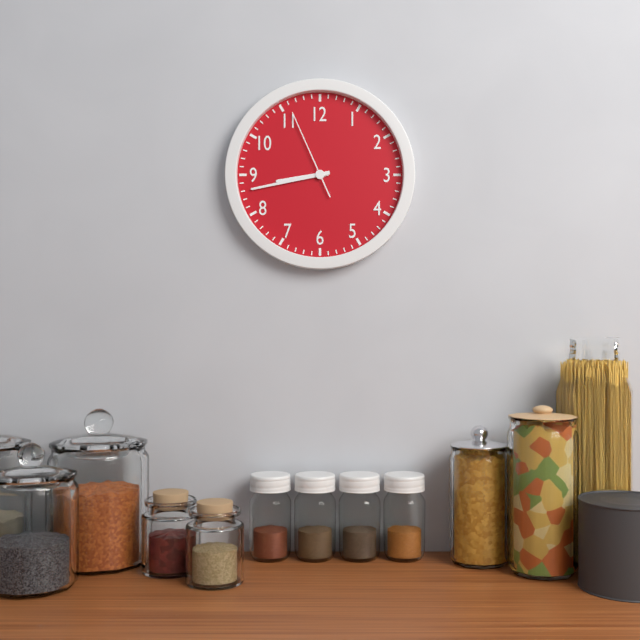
8:43:56
